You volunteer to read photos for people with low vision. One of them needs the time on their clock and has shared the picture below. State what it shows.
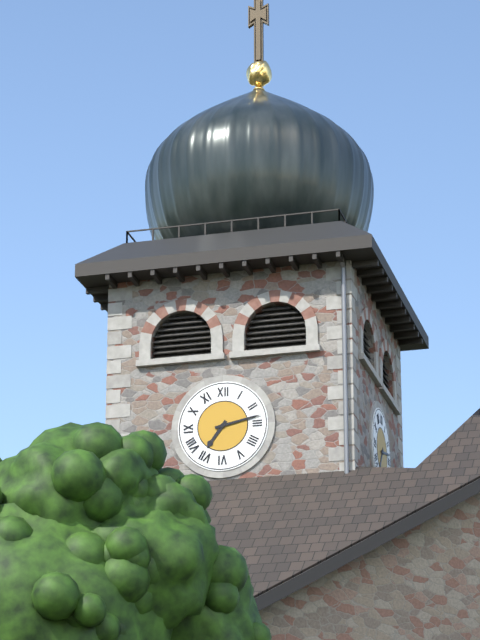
7:13
